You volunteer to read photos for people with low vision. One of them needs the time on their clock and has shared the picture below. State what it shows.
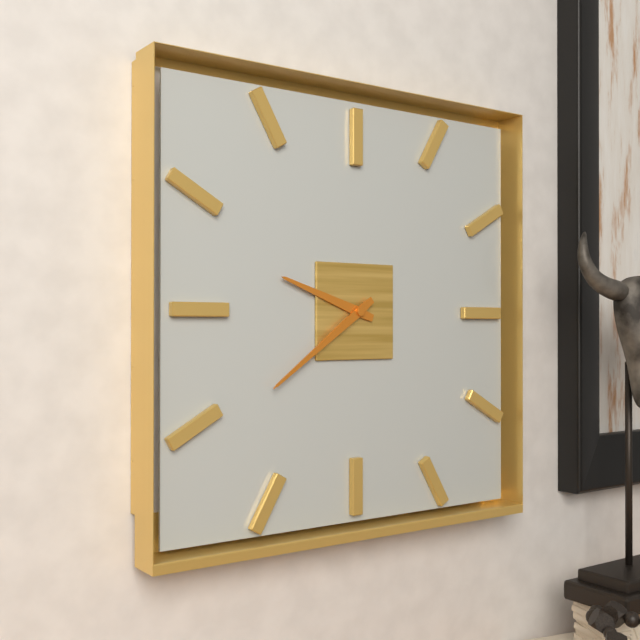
9:39
